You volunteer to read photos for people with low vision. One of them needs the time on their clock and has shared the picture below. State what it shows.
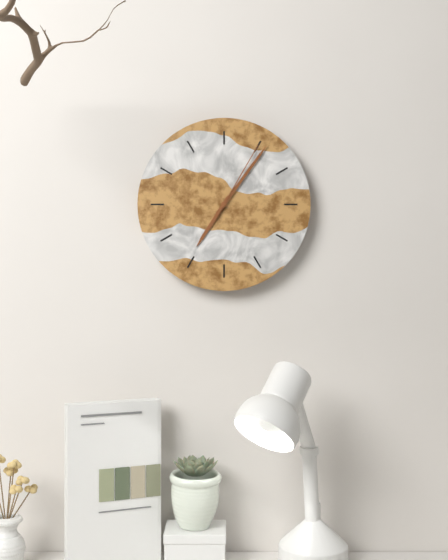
7:06:05
